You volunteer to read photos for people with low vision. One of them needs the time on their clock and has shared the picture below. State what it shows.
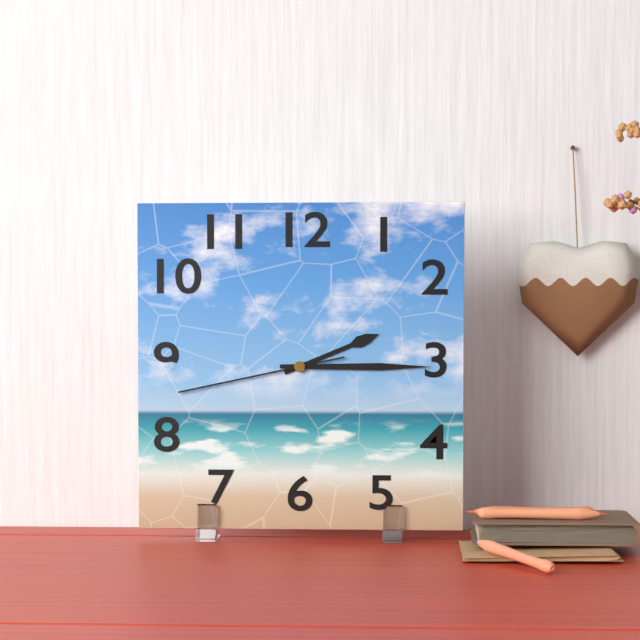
2:15:43
